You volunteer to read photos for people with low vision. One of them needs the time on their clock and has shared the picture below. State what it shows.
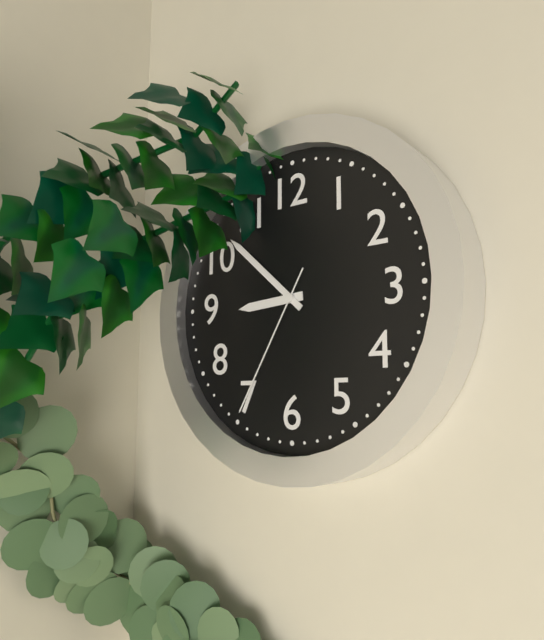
8:52:35
